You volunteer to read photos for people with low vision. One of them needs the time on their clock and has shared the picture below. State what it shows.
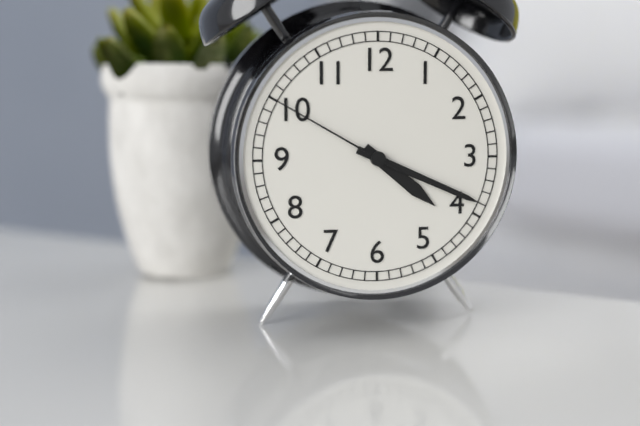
4:19:50
